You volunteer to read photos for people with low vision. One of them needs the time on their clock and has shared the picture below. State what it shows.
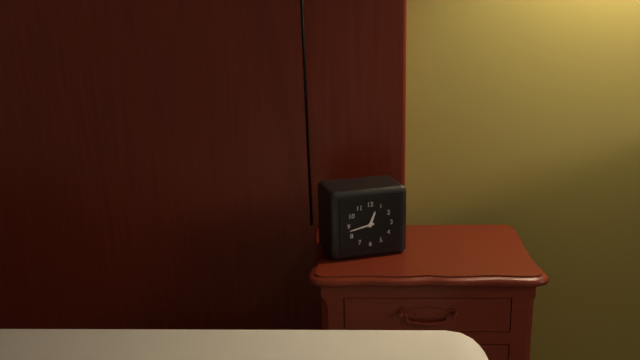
12:43
